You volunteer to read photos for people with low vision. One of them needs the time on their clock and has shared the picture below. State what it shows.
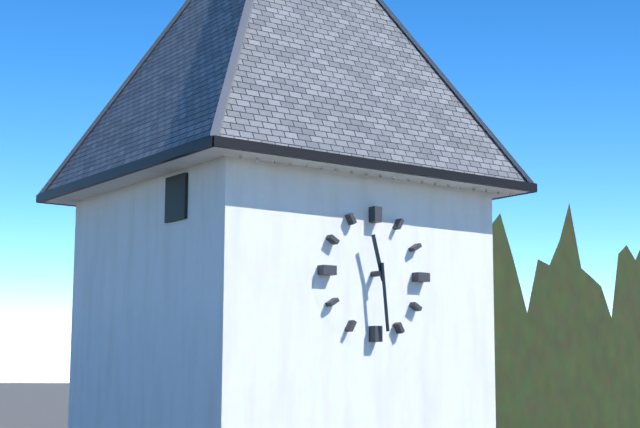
11:29
